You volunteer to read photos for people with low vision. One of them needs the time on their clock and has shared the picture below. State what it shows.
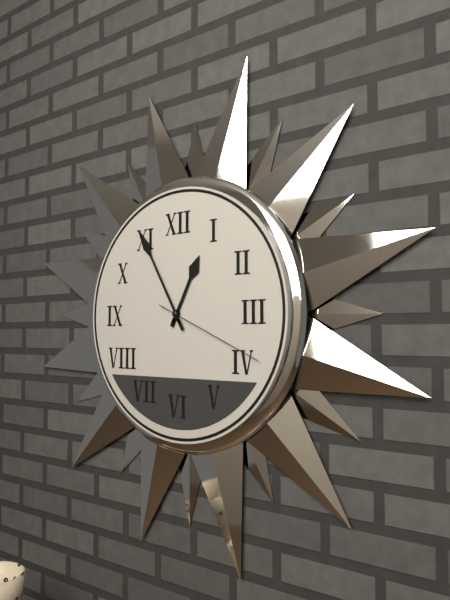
12:55:19
